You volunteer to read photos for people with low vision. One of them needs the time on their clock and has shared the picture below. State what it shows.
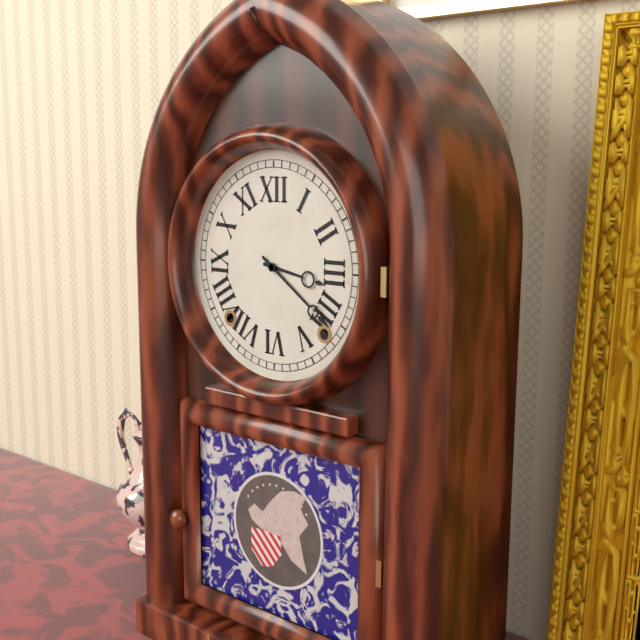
3:21
